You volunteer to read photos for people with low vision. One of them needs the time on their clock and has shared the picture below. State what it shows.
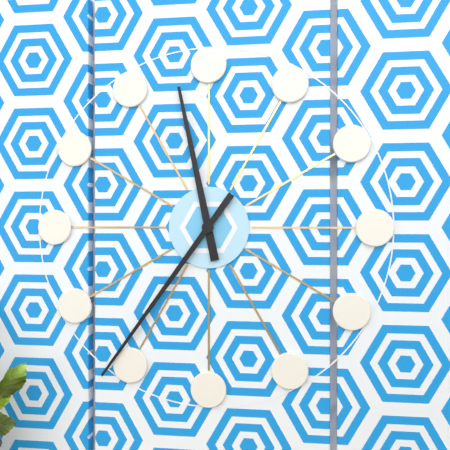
11:36
